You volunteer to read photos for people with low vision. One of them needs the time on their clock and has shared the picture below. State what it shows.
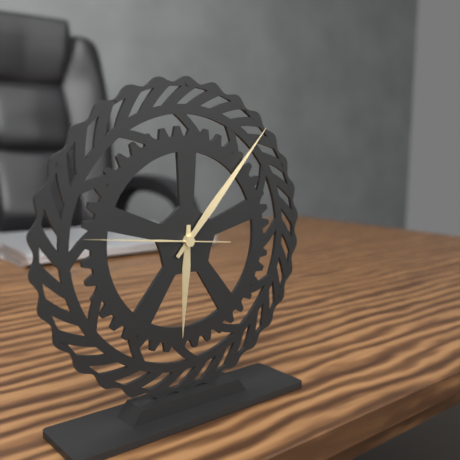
6:07:46
